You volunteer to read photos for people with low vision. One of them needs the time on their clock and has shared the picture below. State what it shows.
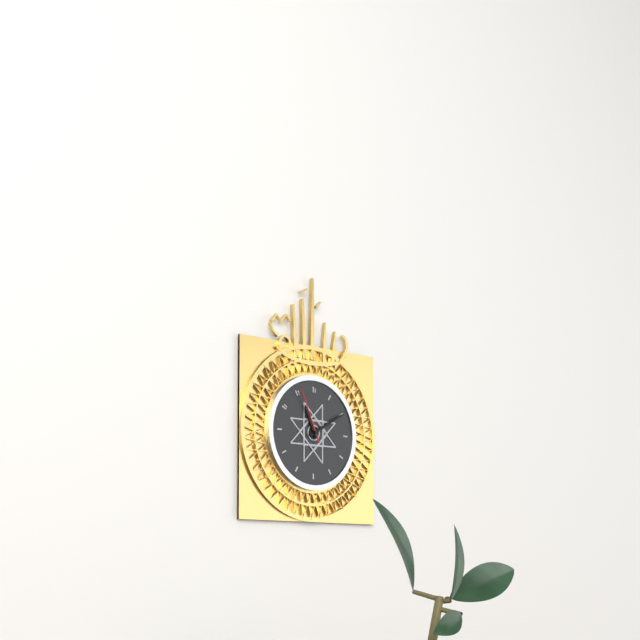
11:10:56
